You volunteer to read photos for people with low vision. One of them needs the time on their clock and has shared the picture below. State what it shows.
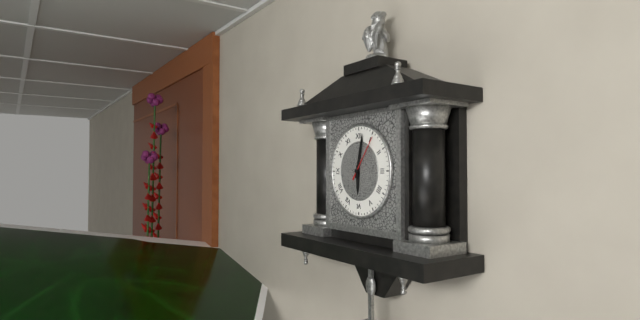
6:02:06
